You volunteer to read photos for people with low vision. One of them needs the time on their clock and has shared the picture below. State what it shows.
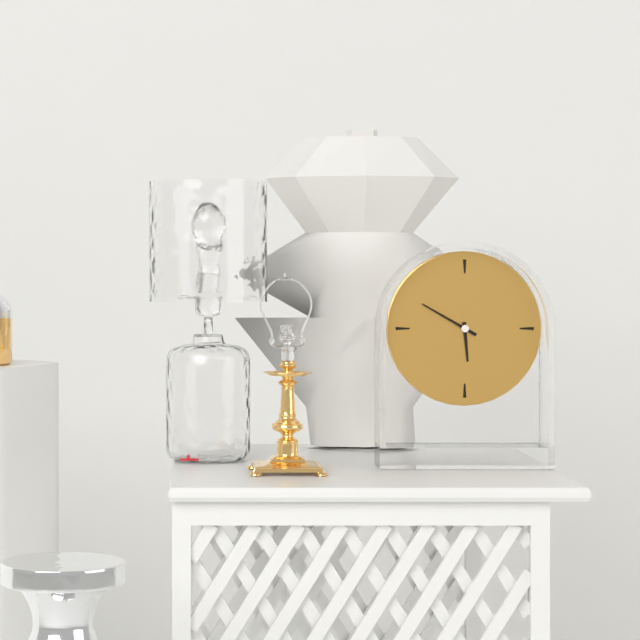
5:50
